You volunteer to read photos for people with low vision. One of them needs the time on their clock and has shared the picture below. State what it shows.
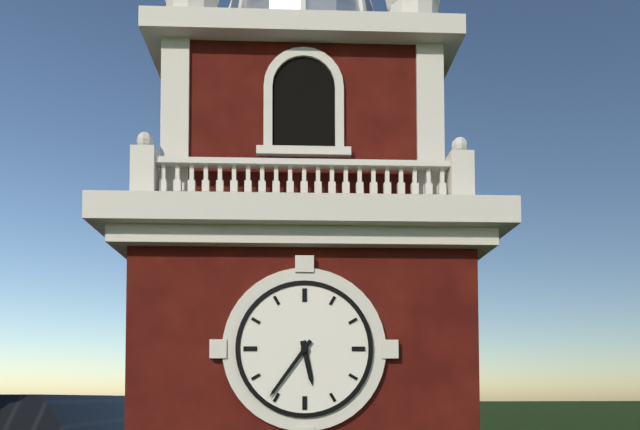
5:36
